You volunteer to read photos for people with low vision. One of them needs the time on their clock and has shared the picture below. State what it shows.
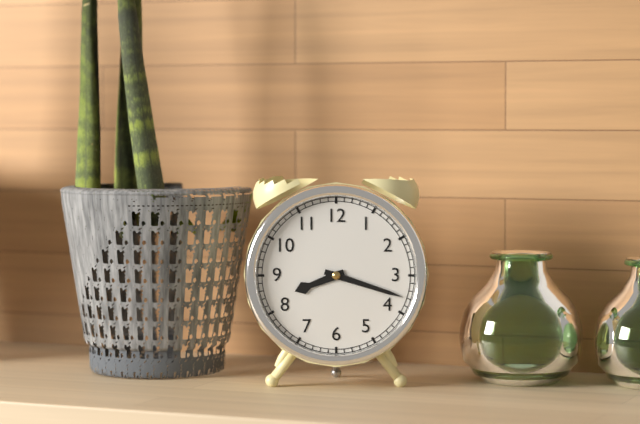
8:18
